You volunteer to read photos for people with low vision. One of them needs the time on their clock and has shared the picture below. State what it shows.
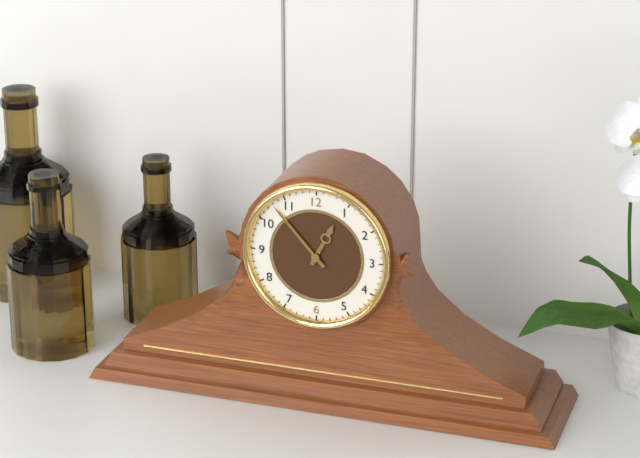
12:53
